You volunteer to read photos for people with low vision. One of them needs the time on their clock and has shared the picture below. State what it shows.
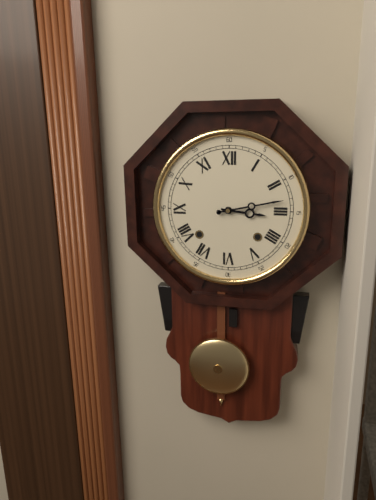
3:13
